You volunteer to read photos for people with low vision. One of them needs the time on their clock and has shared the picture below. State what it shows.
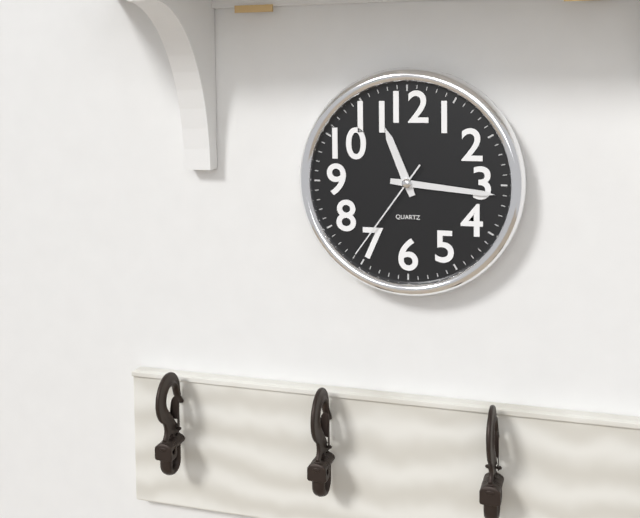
11:16:36
